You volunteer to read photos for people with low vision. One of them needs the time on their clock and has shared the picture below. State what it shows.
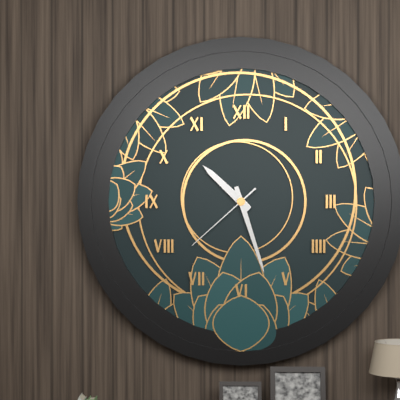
10:27:38
